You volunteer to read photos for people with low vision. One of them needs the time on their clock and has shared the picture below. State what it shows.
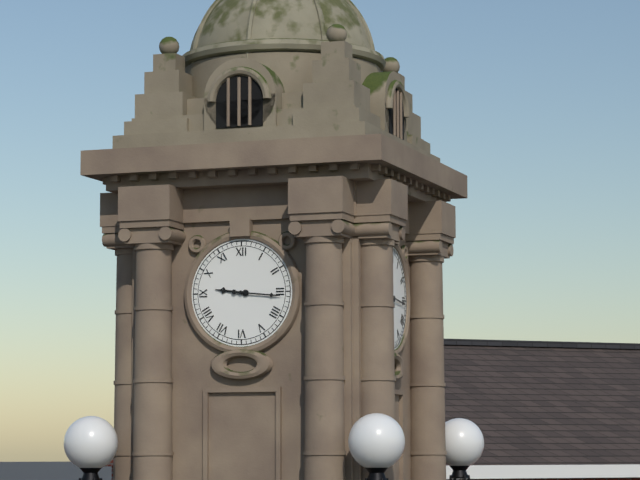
9:16
